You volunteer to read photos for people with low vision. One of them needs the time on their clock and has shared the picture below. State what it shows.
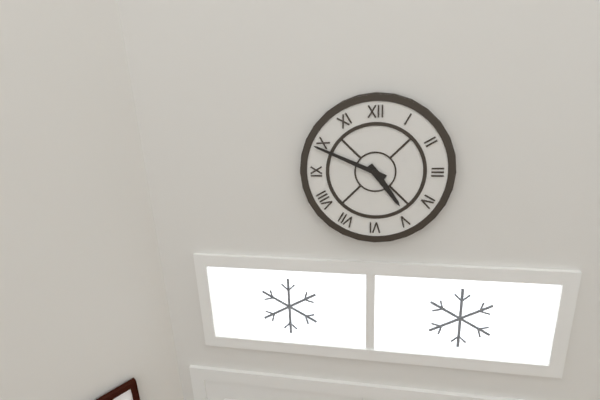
4:49
